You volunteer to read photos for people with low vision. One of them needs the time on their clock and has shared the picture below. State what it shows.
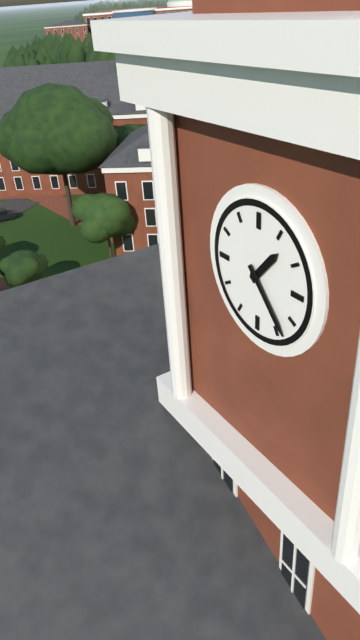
1:23
